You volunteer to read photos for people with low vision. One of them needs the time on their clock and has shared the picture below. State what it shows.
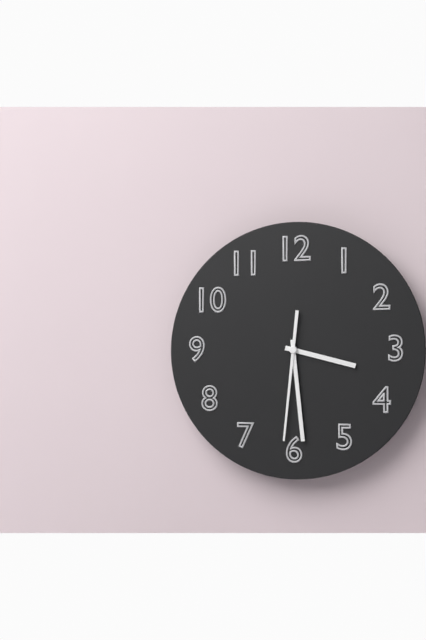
3:29:31
